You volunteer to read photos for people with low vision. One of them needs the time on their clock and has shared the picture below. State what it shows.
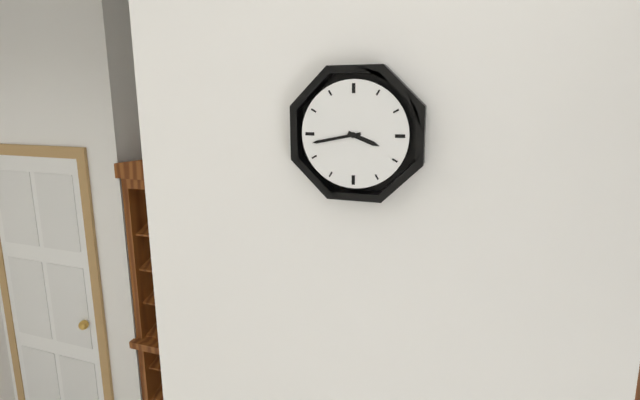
3:43
